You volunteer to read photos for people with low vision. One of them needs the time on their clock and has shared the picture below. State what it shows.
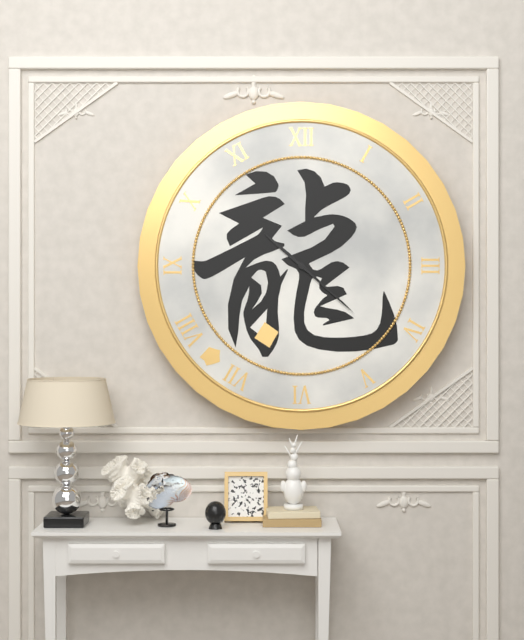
10:22
